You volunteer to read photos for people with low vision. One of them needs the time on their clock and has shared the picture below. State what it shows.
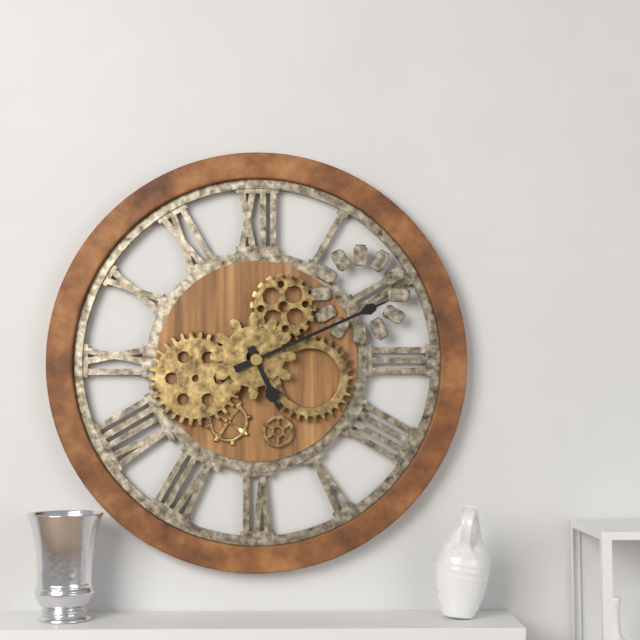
5:11
